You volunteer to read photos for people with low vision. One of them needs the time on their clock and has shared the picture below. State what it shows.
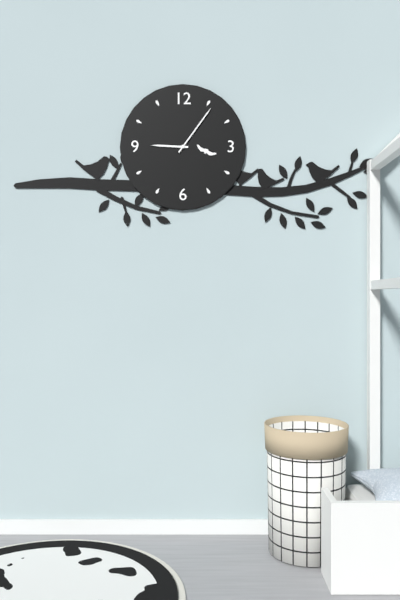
9:06
